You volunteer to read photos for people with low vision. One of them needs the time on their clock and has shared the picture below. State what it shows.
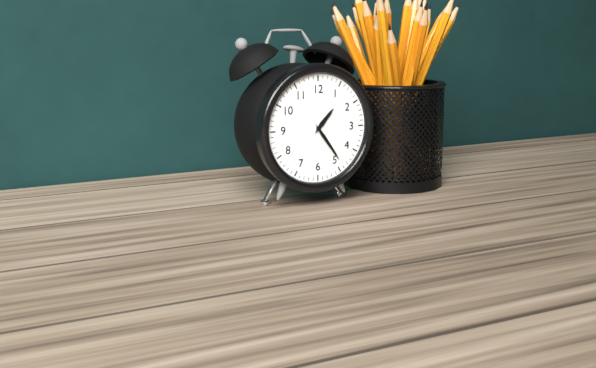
1:24
